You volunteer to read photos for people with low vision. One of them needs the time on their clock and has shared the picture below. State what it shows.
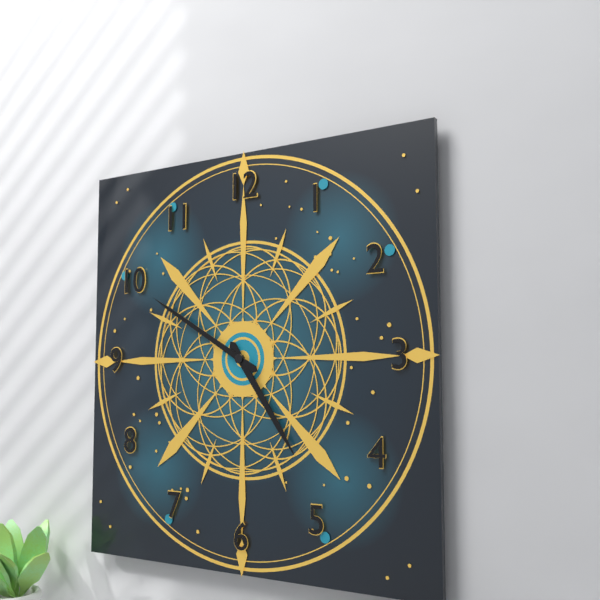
4:50
